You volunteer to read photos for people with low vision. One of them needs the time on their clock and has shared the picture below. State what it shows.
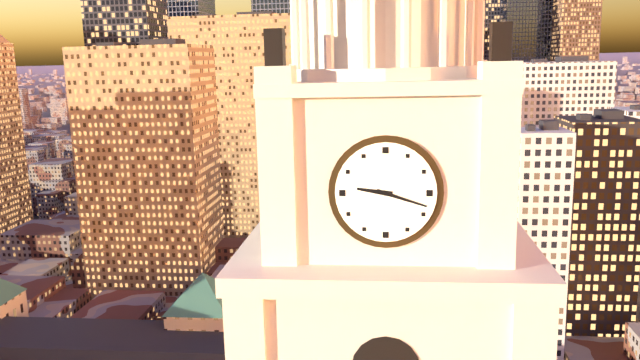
9:18
